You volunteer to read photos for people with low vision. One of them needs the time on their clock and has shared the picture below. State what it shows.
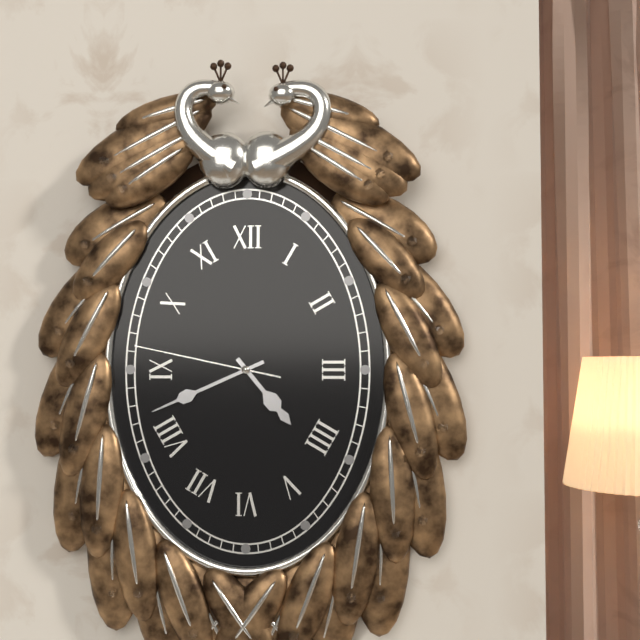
4:41:47
